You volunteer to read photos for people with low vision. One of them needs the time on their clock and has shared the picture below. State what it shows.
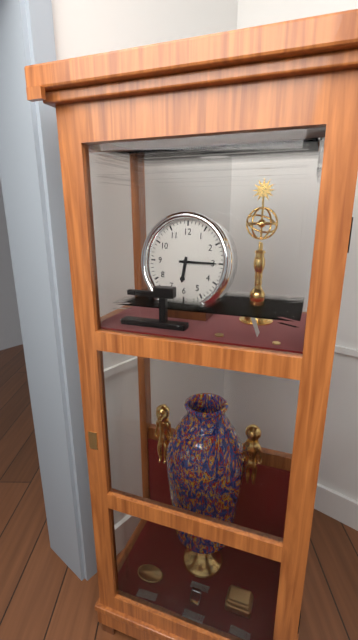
6:15
